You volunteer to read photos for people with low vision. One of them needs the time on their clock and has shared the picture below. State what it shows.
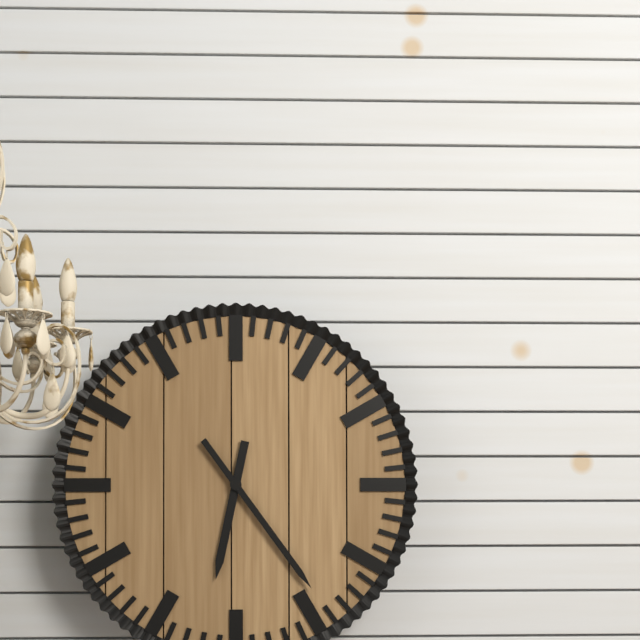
6:24
